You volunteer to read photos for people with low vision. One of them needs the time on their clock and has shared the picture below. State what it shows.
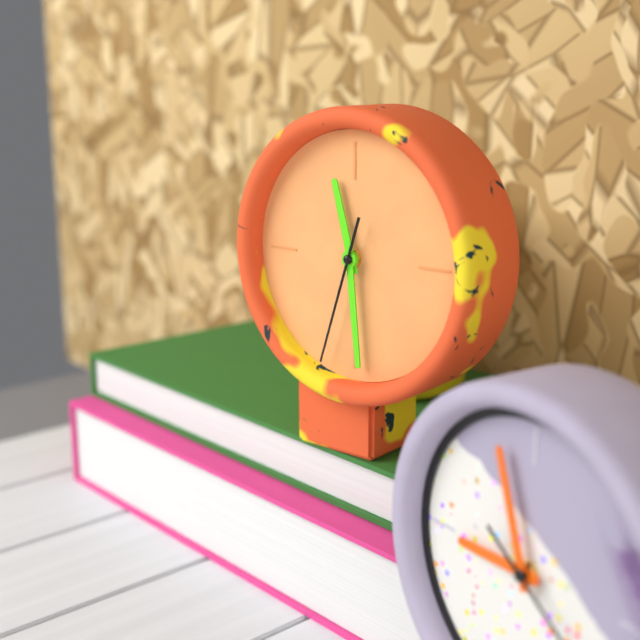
11:29:33
